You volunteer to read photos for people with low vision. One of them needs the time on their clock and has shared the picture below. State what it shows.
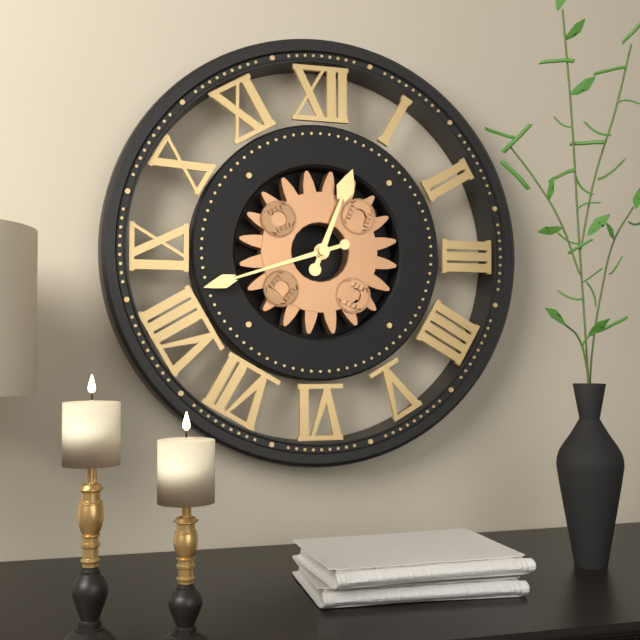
12:42
